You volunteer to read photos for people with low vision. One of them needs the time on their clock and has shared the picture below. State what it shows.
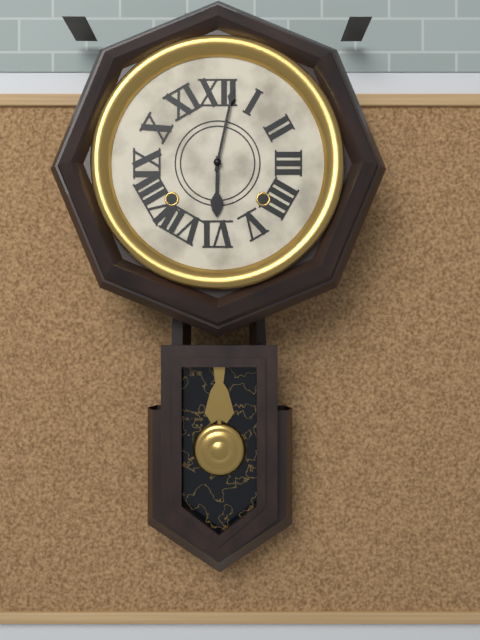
6:02
